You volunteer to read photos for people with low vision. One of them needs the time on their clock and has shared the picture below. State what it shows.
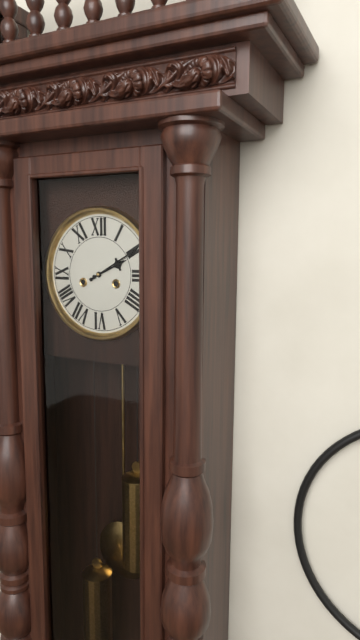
2:10
